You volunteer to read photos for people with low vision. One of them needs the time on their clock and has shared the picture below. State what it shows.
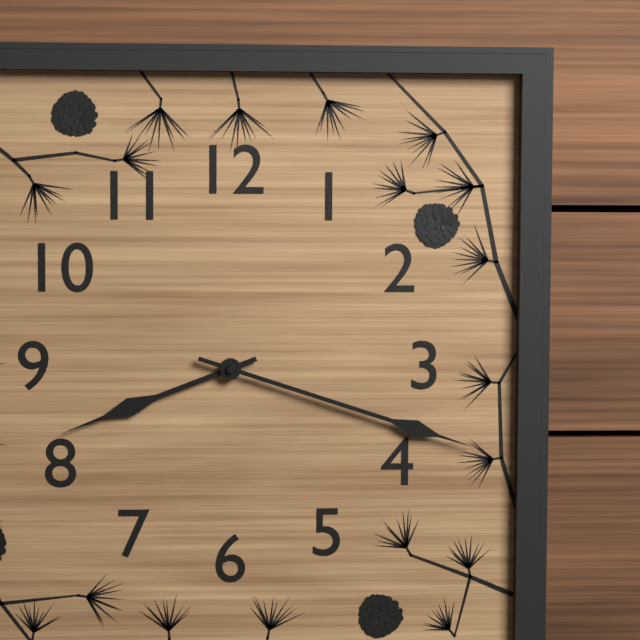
8:18
